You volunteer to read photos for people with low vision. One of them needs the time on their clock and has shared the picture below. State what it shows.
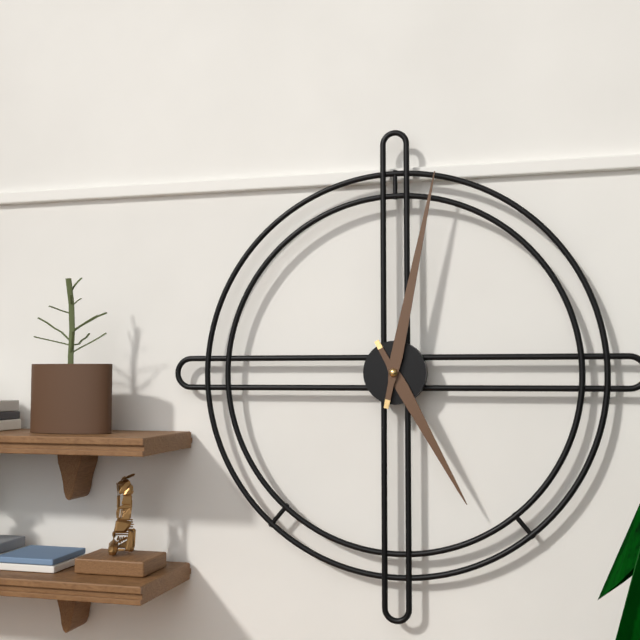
5:02
